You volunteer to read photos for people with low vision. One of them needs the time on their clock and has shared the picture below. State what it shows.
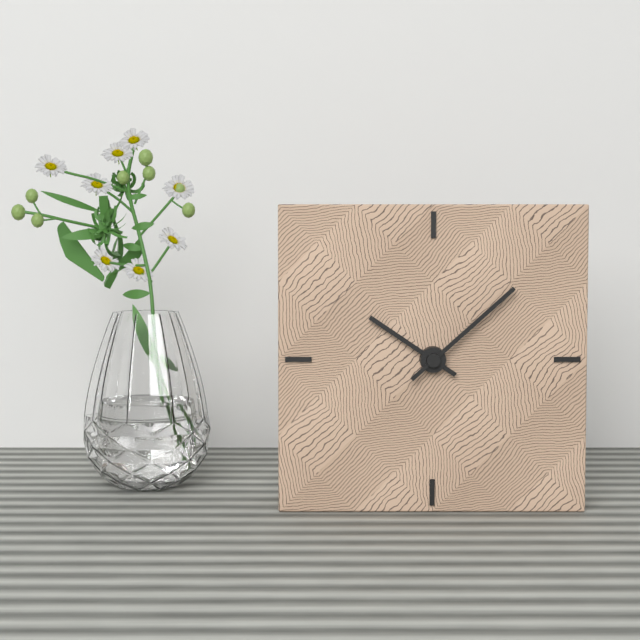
10:08
